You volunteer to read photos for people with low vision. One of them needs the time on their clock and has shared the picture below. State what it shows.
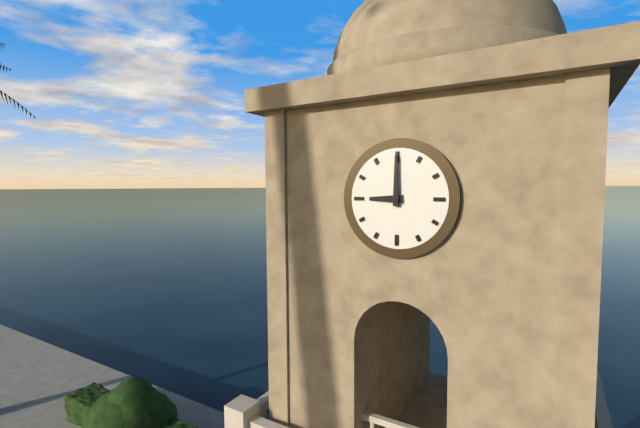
9:00
